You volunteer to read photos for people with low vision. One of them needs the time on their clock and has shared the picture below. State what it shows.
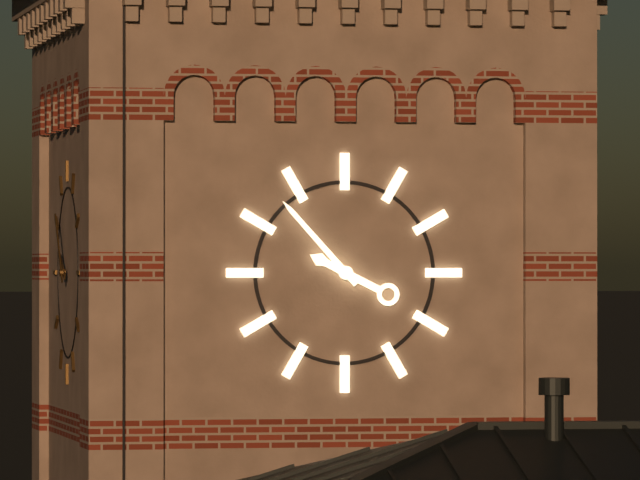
9:53
